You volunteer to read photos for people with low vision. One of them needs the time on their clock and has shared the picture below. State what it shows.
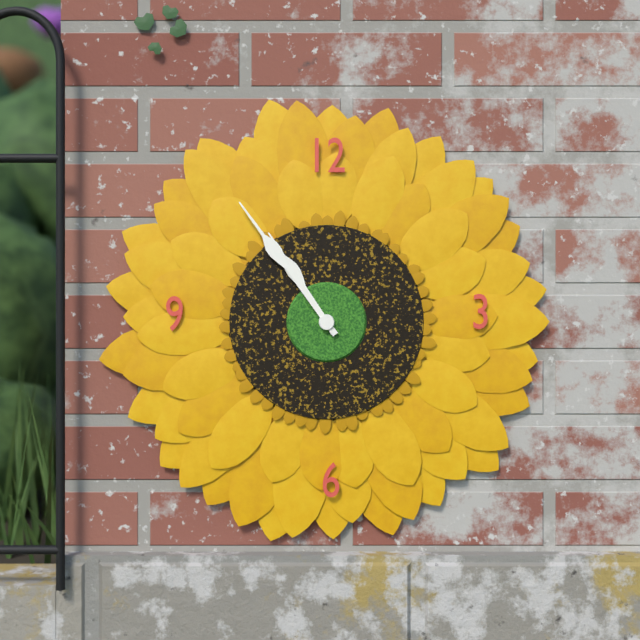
10:54
